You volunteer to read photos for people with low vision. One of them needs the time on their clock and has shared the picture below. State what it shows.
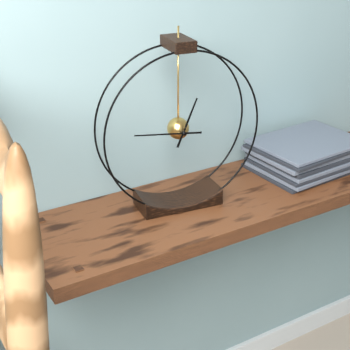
12:46
